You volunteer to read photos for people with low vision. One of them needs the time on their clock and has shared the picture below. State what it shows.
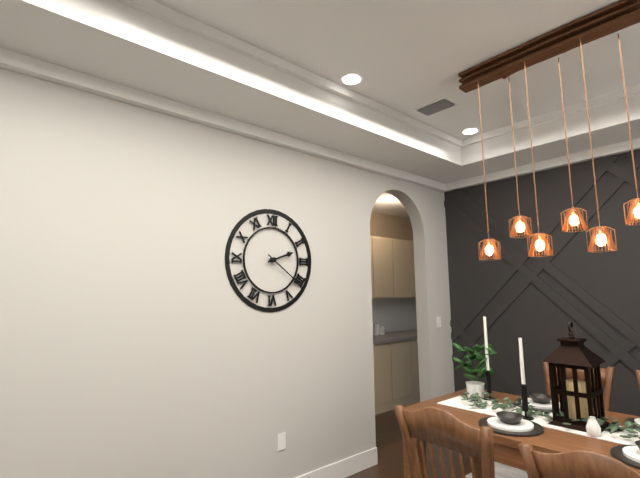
2:21
